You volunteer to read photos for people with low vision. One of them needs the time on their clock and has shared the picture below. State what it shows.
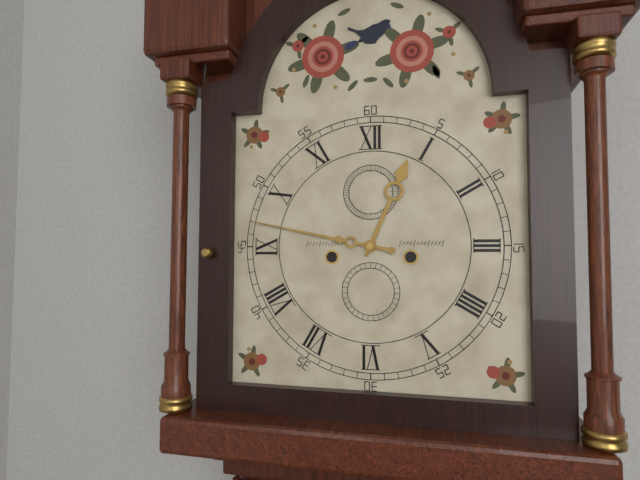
12:47
